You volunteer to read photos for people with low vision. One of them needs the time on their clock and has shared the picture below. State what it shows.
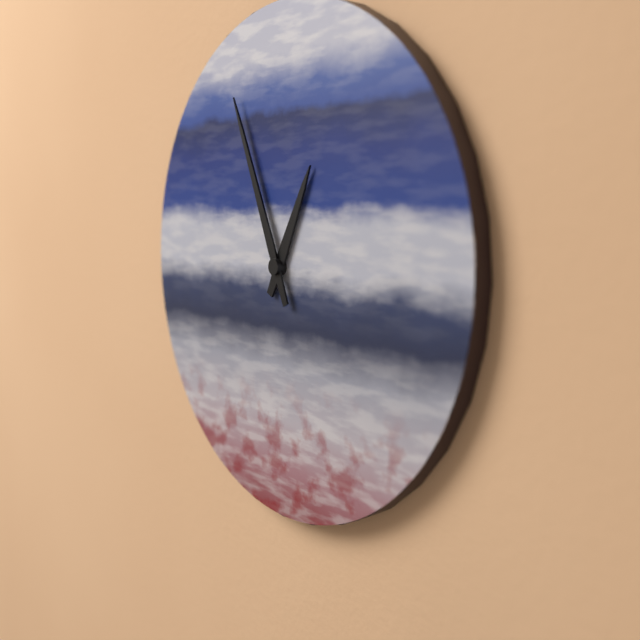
12:56
